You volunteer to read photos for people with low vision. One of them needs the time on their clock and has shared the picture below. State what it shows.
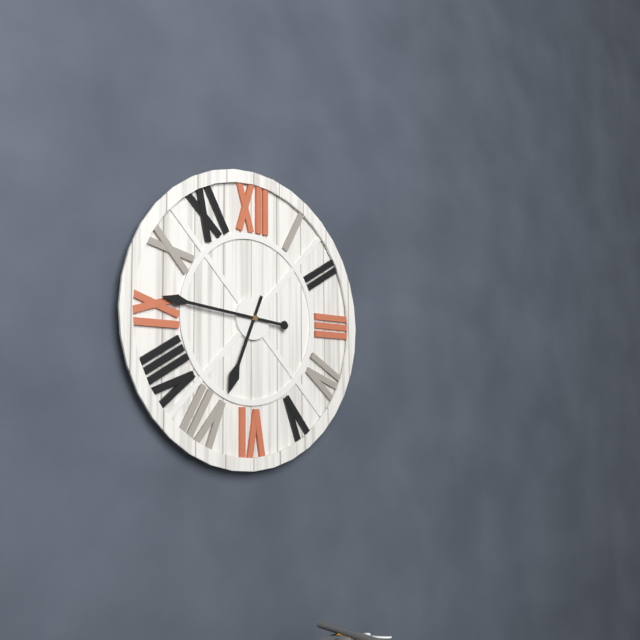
6:46
